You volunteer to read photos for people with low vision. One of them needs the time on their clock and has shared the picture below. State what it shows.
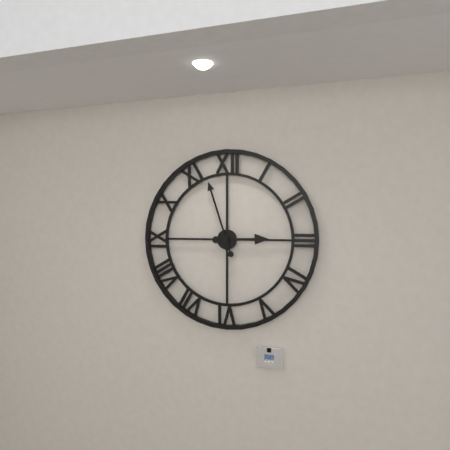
2:57
